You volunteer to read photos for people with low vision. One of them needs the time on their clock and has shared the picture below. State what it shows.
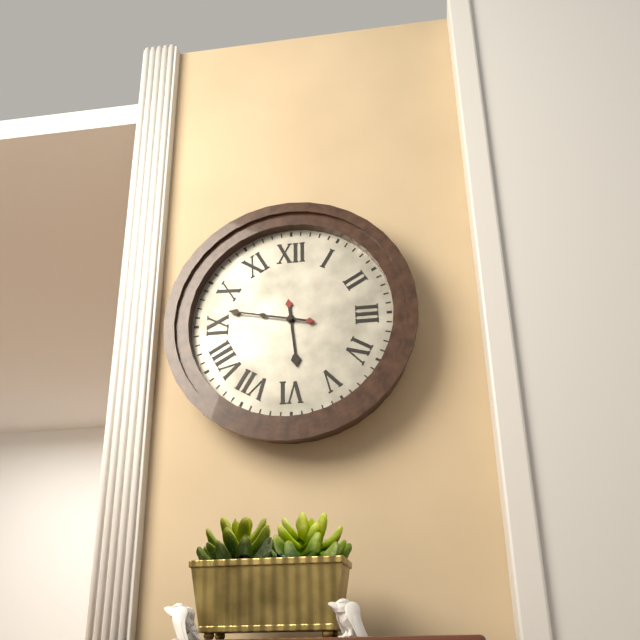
5:47
